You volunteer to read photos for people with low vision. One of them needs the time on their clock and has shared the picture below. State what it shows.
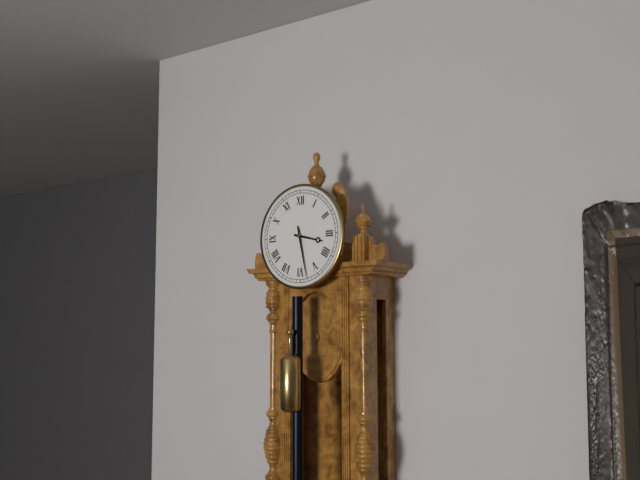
3:28
